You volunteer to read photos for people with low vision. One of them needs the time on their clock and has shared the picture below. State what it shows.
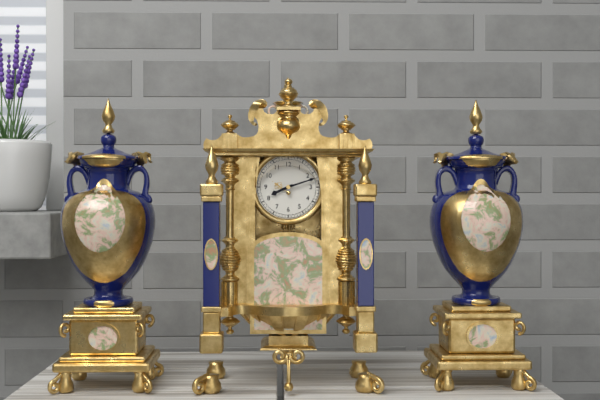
8:12
